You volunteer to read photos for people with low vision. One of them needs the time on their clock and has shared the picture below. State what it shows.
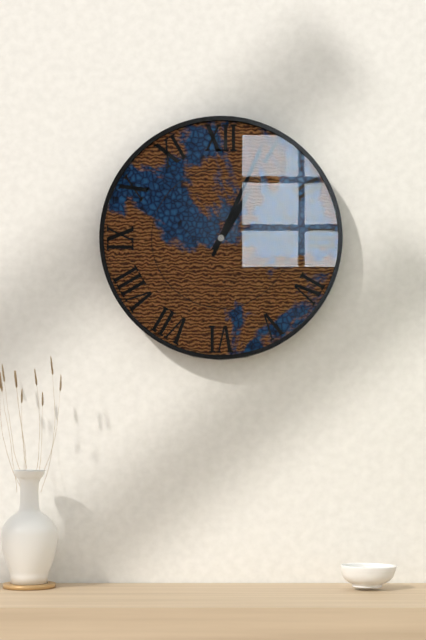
1:04
